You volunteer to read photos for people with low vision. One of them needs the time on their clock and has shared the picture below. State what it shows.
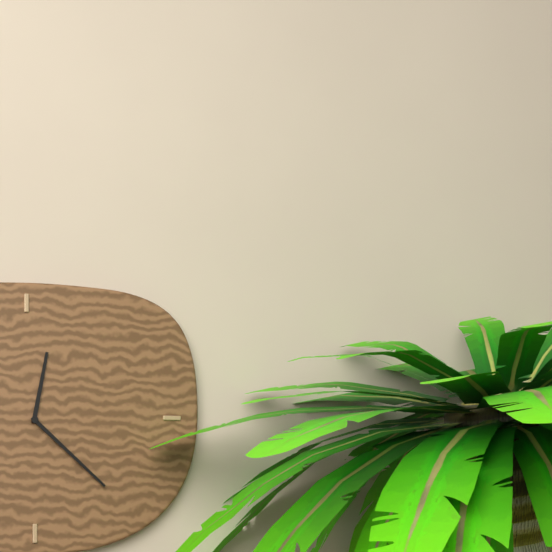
12:22
